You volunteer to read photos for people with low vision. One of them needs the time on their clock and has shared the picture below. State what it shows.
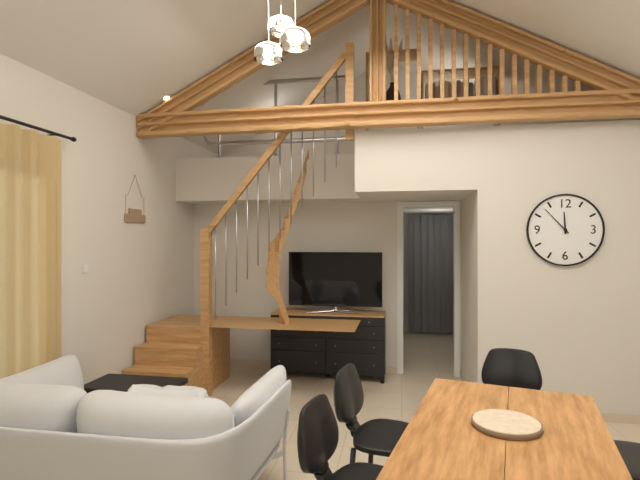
11:53
